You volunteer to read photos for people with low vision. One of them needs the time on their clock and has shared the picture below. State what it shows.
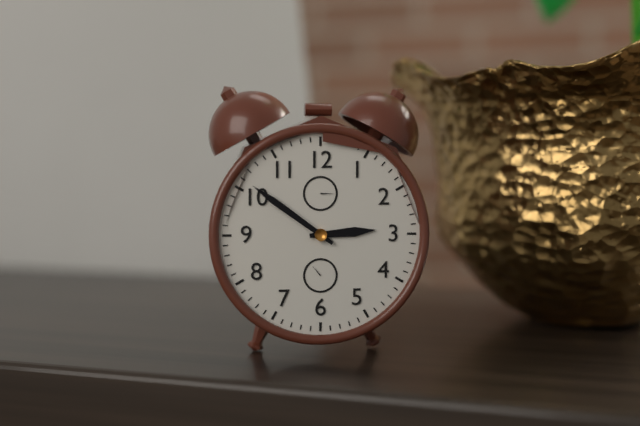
2:51
